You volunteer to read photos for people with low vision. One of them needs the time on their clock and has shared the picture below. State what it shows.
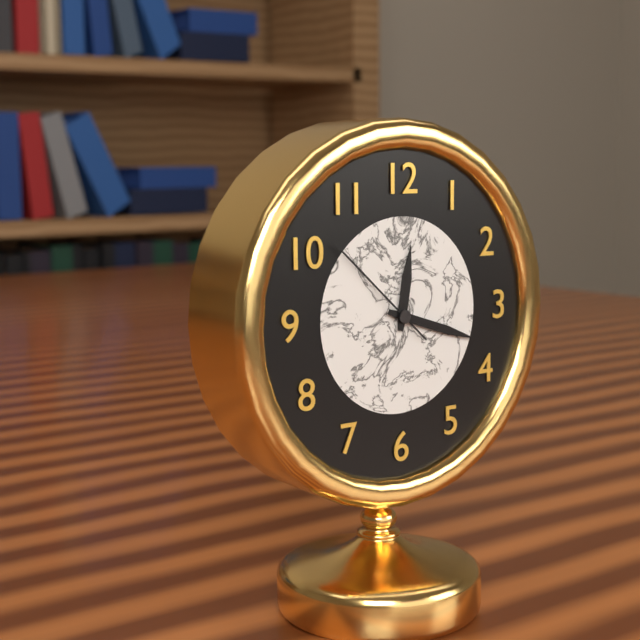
12:18:52
